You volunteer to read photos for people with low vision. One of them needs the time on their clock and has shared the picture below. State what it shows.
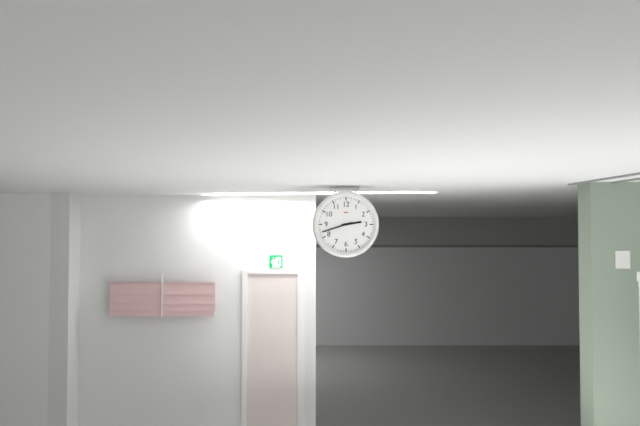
2:42
